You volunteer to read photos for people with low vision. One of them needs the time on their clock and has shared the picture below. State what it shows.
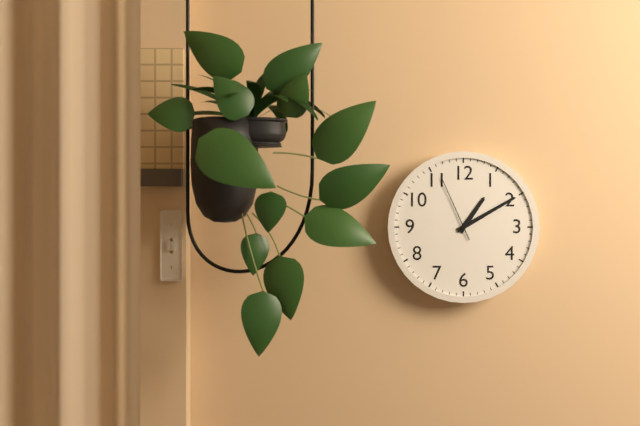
1:10:56
